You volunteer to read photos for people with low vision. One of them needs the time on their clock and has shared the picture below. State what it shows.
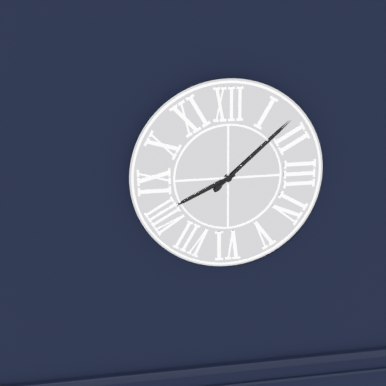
8:08
